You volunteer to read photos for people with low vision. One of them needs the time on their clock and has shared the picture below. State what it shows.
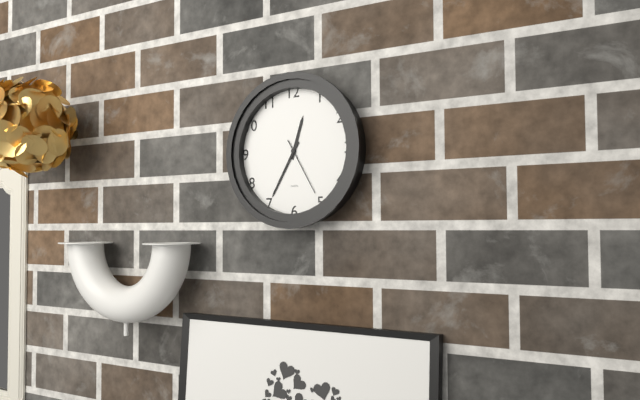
12:35:25
